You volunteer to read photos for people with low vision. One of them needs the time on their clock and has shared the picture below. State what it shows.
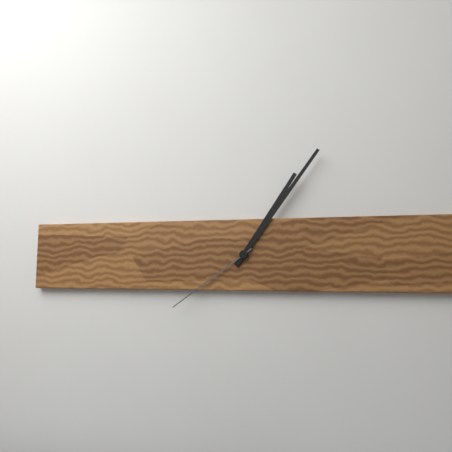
1:06:39
